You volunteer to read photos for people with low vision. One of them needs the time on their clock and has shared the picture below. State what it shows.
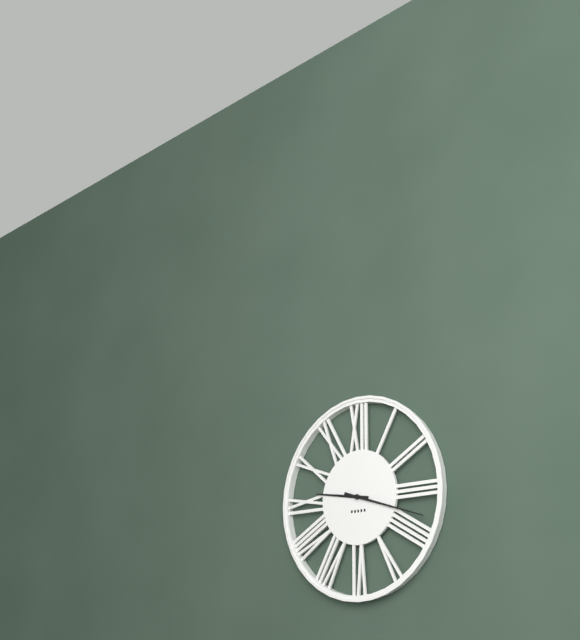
9:18
